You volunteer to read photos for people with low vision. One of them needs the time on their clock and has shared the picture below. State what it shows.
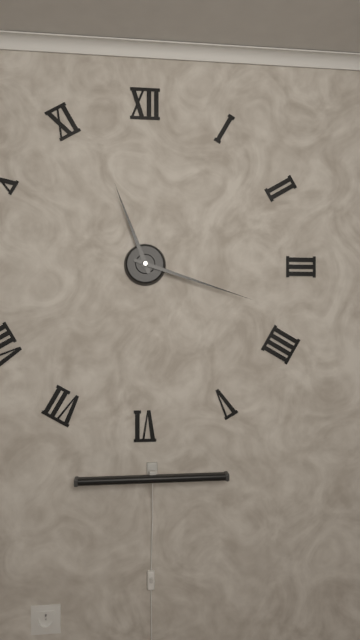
11:18
